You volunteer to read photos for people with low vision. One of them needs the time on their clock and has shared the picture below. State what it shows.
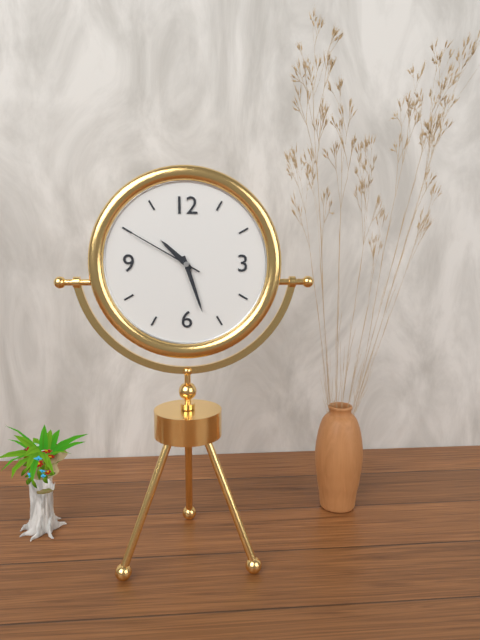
10:27:50
